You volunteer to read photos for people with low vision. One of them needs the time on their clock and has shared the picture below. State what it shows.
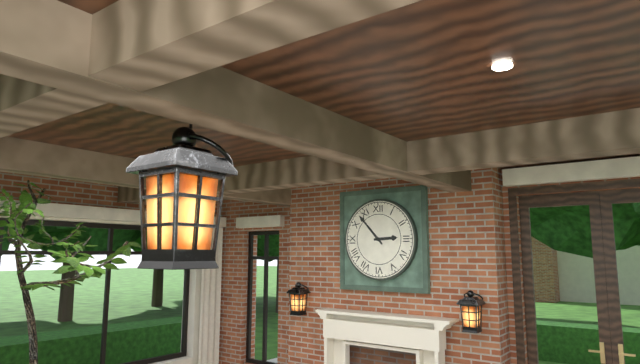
2:53
